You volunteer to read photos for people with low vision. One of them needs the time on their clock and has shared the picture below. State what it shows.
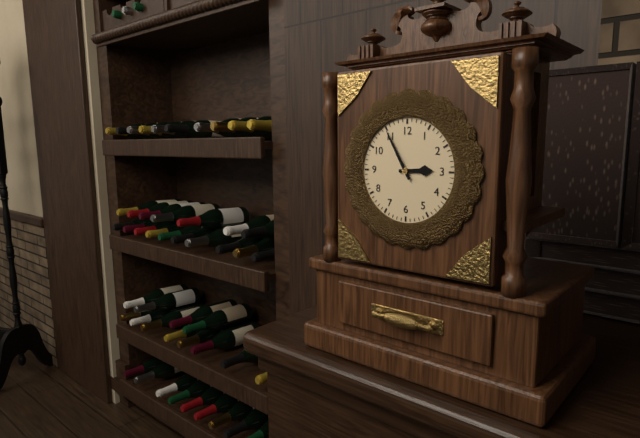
2:55
